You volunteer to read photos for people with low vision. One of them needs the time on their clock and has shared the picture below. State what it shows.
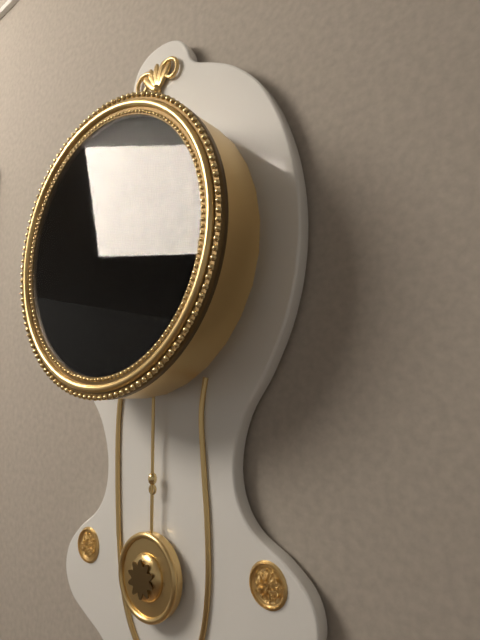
1:40
